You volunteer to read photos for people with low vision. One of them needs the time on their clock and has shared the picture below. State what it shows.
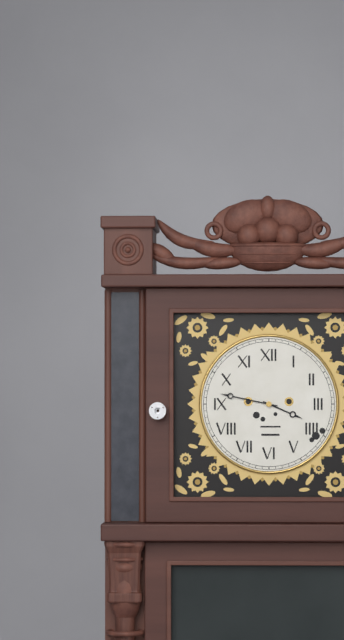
3:47
